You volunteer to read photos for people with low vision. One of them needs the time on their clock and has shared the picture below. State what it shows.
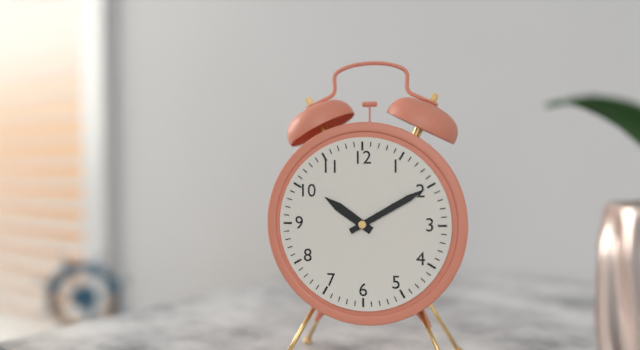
10:10
